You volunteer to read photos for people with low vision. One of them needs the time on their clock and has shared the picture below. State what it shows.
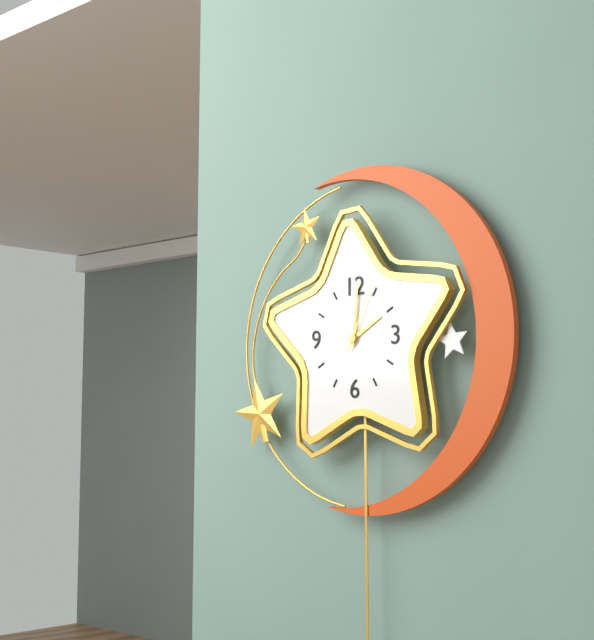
2:01:04
